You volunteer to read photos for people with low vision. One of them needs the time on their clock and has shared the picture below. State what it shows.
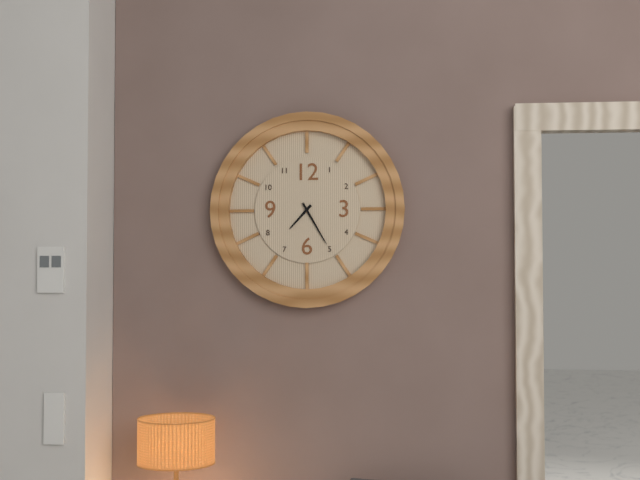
7:25
